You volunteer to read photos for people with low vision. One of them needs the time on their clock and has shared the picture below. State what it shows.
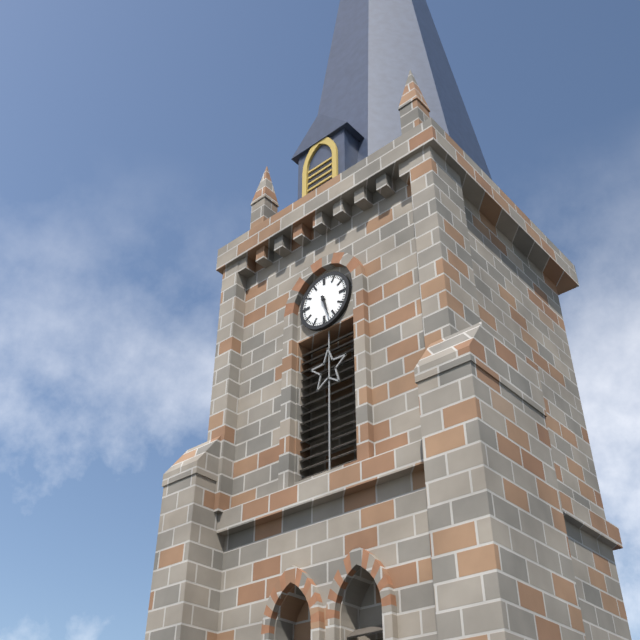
5:27
